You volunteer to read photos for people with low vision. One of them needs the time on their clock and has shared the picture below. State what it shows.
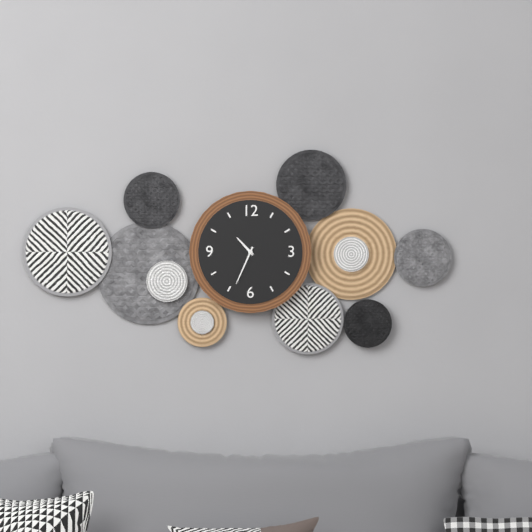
10:34
